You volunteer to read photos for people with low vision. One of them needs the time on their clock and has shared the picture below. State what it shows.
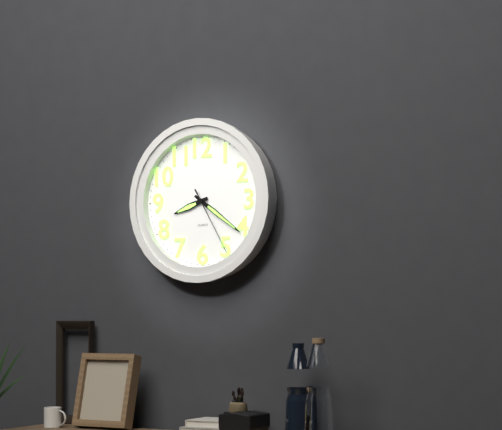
8:21:25
